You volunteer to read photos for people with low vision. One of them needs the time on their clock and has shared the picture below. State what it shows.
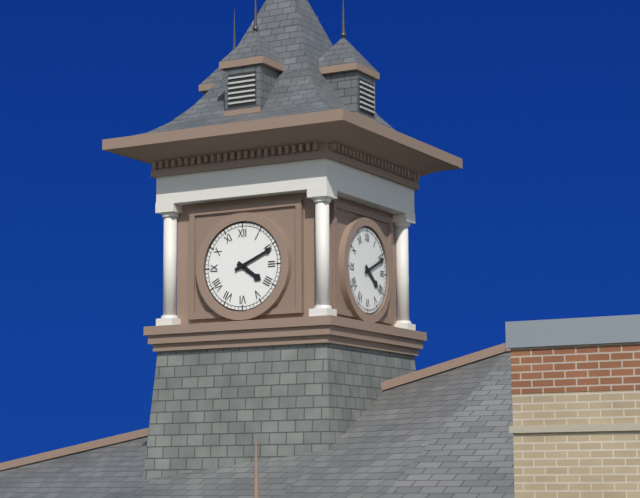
4:11
